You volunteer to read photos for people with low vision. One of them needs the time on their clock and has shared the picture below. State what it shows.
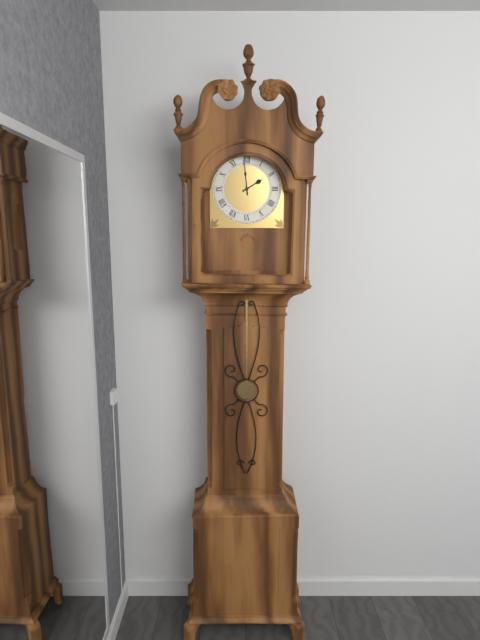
1:59
